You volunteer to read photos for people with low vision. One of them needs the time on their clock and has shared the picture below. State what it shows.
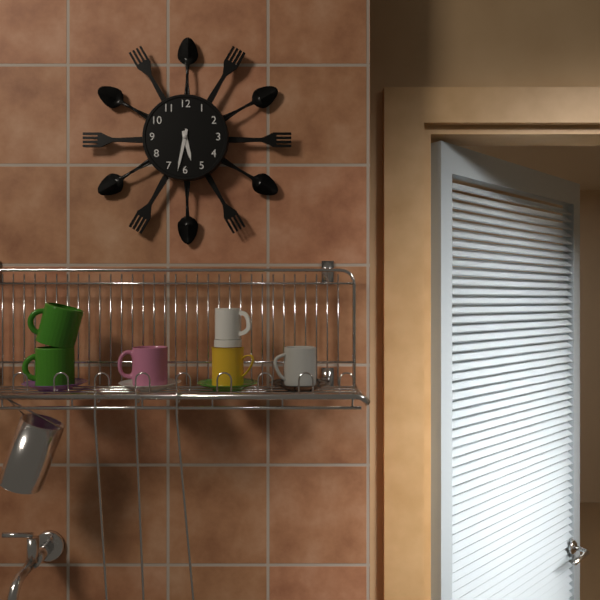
5:32
